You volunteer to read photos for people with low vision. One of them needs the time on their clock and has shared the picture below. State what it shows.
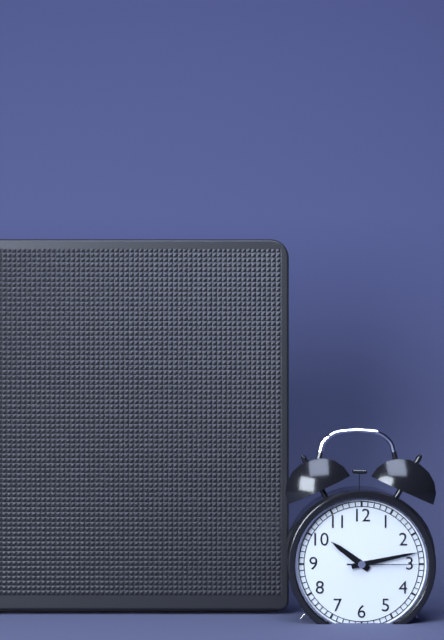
10:13:15
